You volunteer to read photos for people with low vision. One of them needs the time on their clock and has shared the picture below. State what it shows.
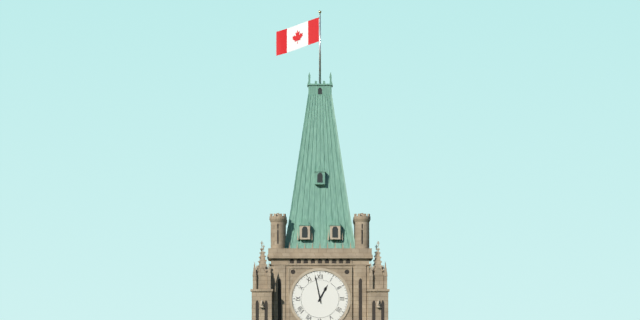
12:58
